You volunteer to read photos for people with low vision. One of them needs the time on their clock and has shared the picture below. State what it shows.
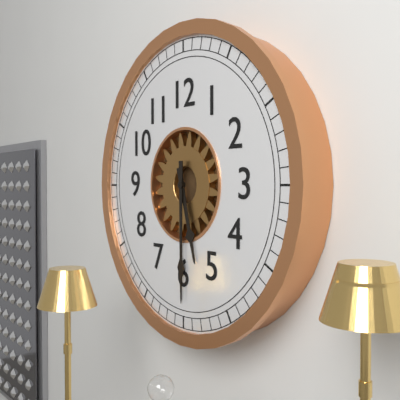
5:30
